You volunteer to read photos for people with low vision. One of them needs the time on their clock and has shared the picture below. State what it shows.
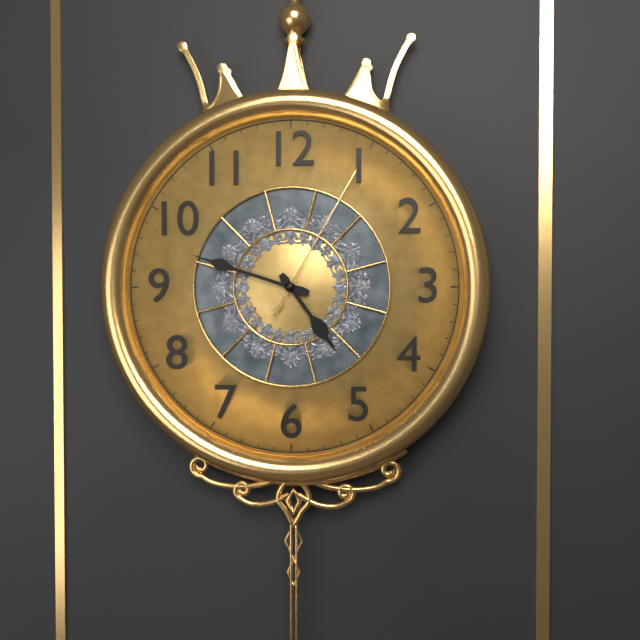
4:48:05
